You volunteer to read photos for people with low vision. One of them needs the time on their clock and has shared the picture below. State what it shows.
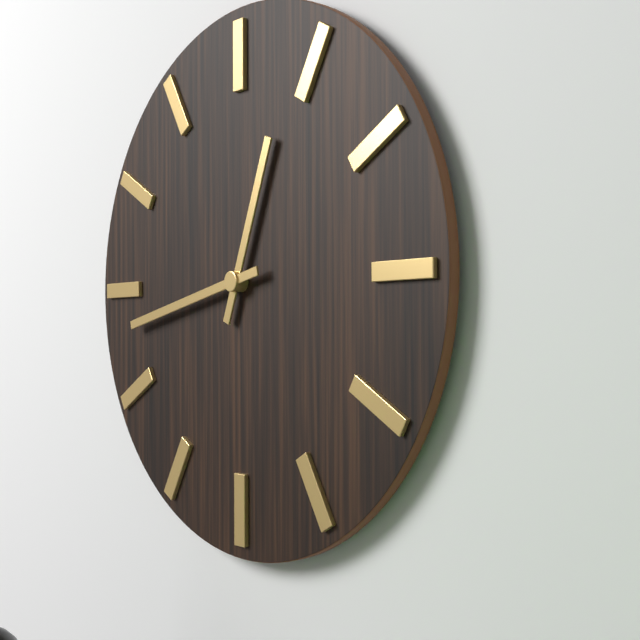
12:43
